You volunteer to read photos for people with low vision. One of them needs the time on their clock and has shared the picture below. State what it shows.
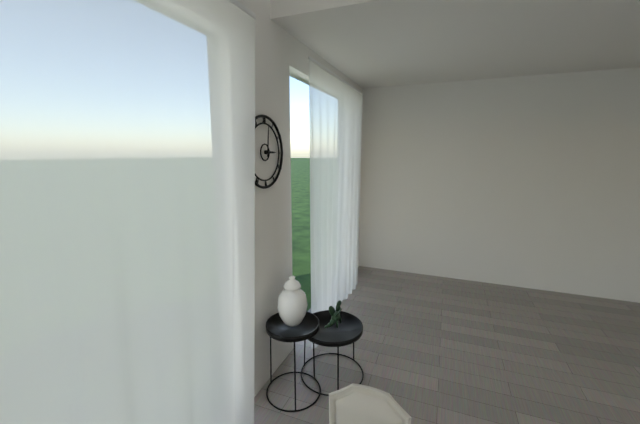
3:01
